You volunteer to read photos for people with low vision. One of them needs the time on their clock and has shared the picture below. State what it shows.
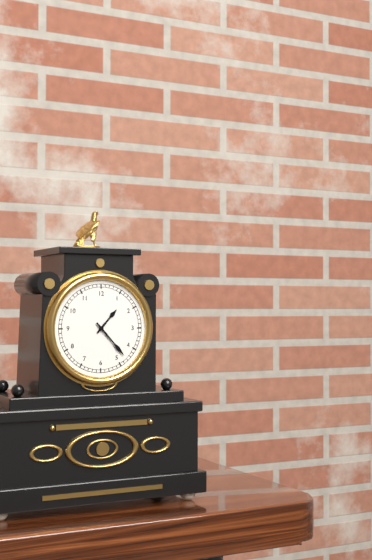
1:23
